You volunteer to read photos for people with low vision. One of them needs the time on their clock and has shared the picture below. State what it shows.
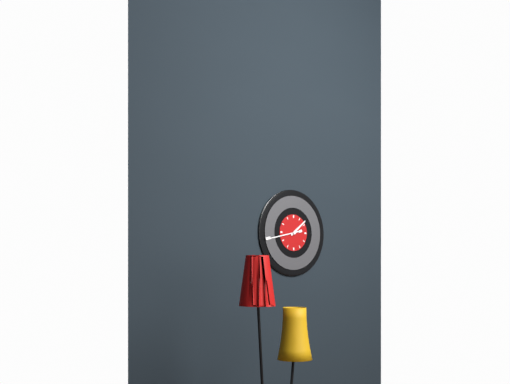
1:43
